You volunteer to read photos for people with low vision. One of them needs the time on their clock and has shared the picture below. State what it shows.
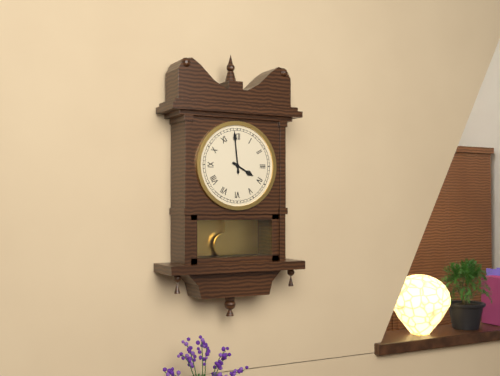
3:59
